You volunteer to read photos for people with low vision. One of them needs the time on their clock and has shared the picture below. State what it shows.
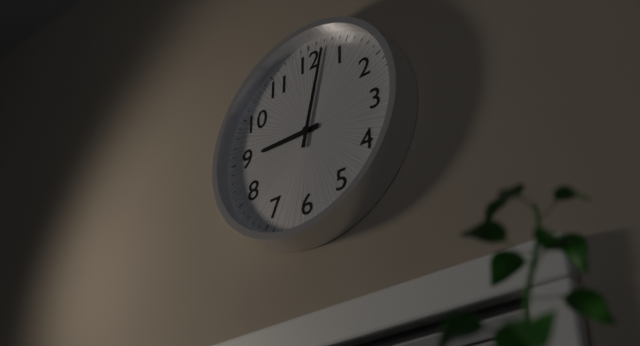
9:02
